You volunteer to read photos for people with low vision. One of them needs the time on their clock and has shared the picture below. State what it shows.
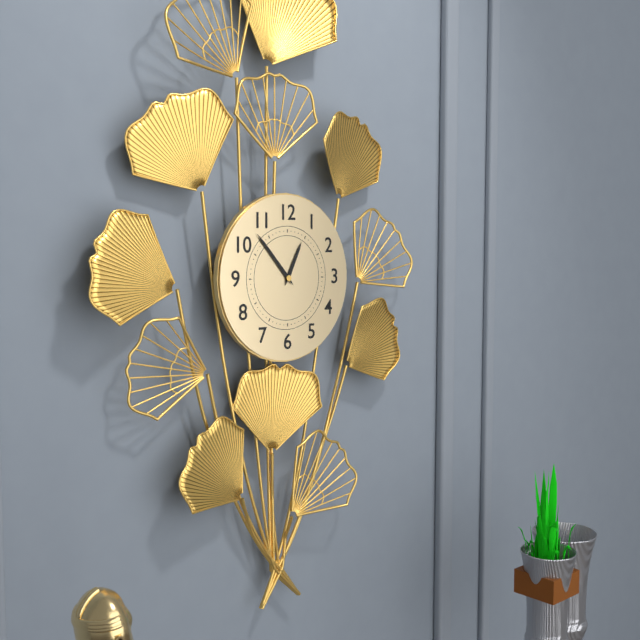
12:53
